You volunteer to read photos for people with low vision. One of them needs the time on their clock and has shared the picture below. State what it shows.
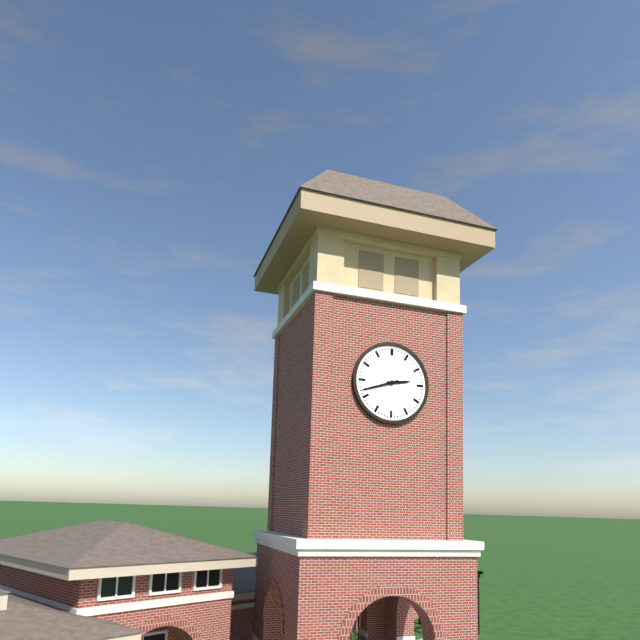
2:42
